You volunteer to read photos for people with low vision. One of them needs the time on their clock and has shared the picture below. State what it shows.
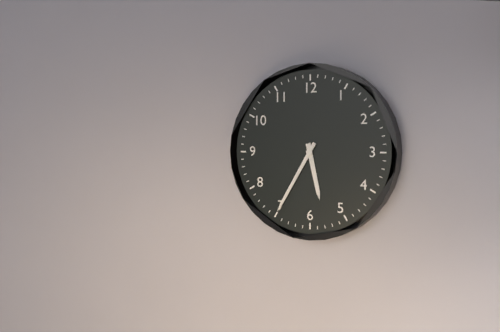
5:35
